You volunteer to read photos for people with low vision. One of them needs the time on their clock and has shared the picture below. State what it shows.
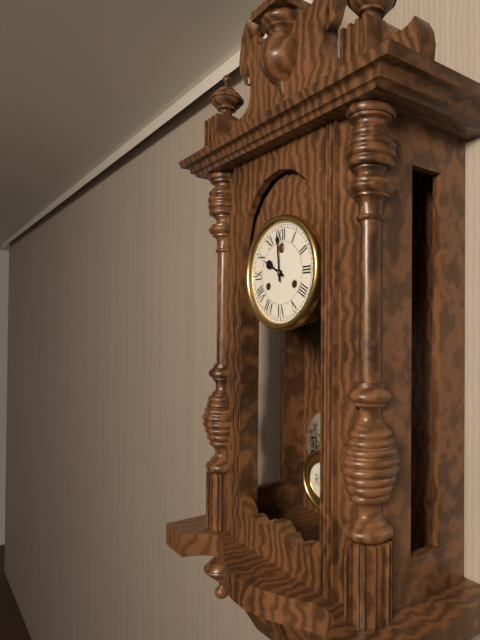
9:59
